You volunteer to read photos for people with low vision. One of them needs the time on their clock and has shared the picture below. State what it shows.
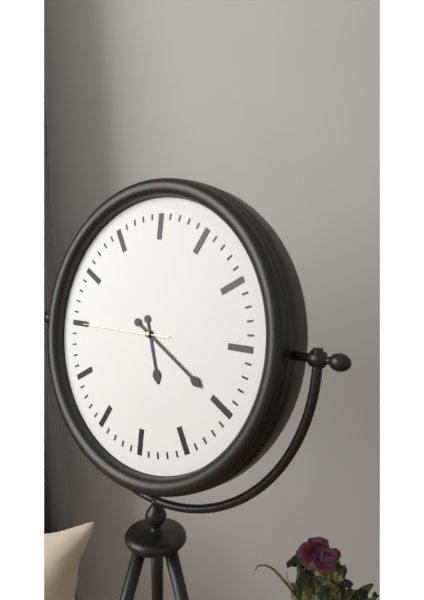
5:20:45
